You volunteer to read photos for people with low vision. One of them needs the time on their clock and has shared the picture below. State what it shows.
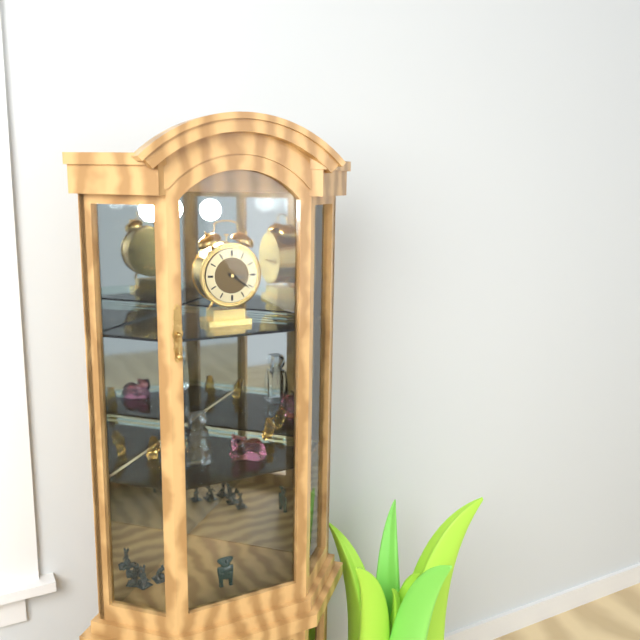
3:21
